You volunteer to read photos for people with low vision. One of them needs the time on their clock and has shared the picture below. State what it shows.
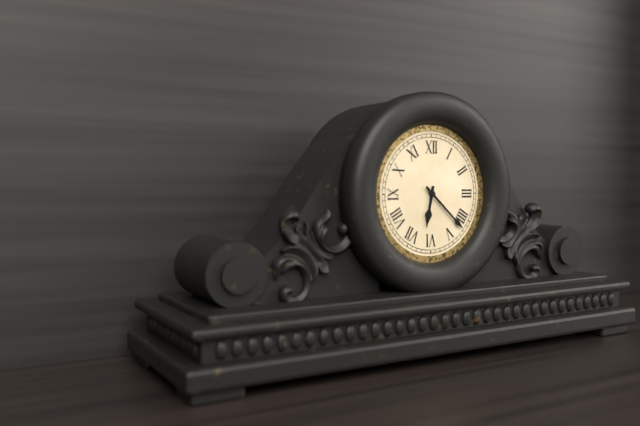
6:22
